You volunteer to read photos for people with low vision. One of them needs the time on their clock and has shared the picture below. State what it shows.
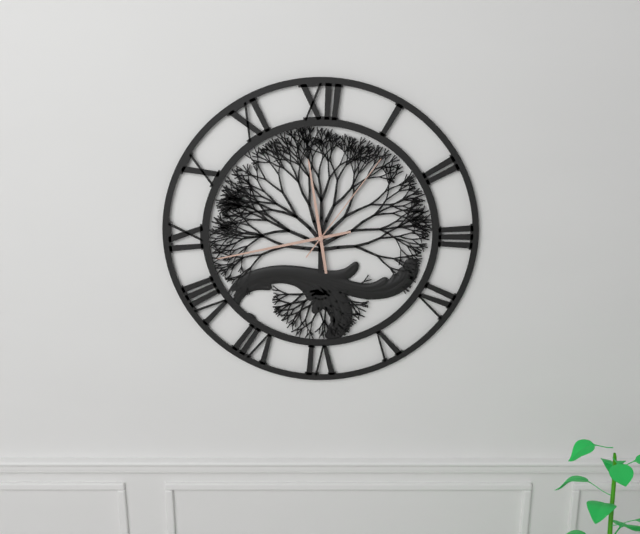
11:43:06
